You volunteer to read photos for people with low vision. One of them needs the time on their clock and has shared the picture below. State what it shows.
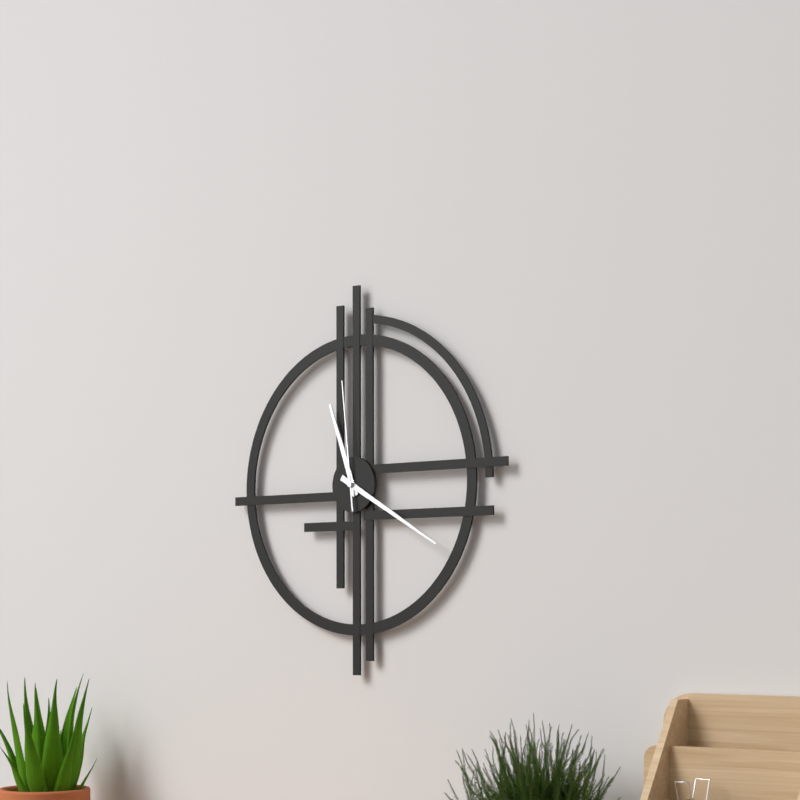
11:20:59
